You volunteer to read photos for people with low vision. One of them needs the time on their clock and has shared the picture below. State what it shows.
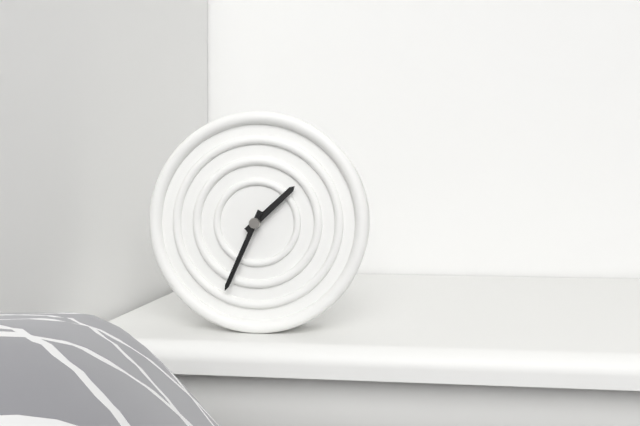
1:34
